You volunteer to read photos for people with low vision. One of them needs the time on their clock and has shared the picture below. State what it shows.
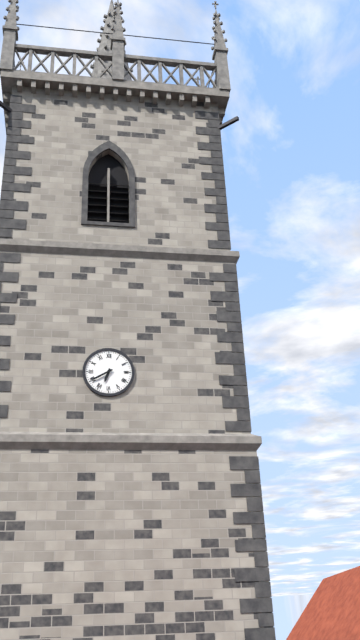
6:40
